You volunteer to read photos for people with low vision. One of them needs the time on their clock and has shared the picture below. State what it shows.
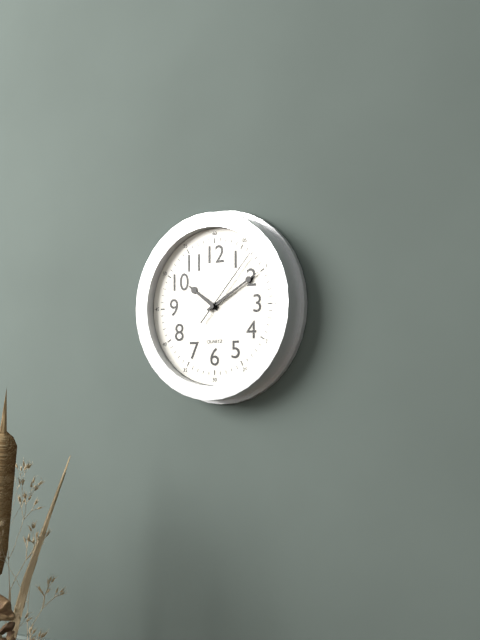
10:10:07
